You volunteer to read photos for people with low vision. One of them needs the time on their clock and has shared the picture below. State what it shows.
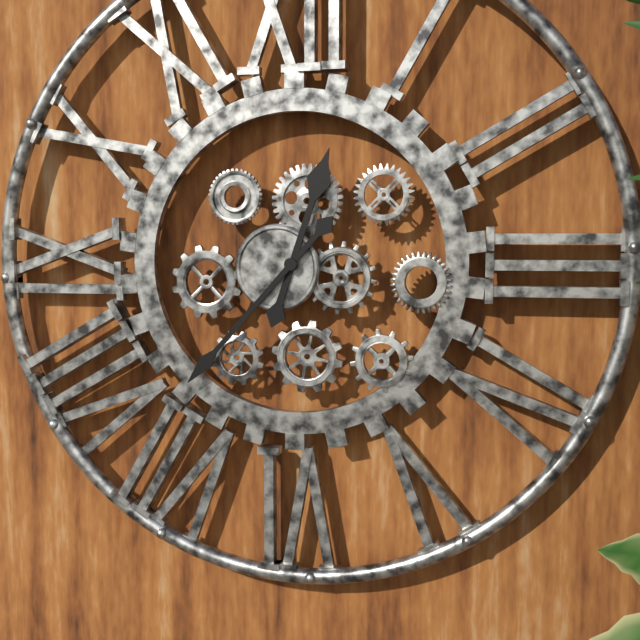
12:37
